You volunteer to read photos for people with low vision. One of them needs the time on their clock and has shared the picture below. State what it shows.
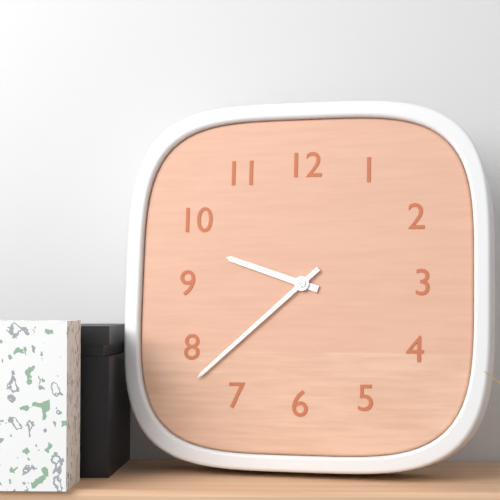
9:38
